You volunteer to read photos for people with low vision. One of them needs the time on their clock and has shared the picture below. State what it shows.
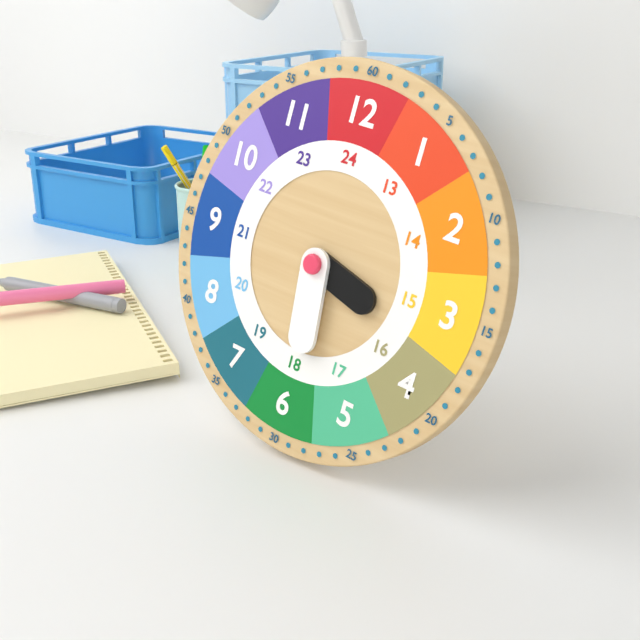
3:29
